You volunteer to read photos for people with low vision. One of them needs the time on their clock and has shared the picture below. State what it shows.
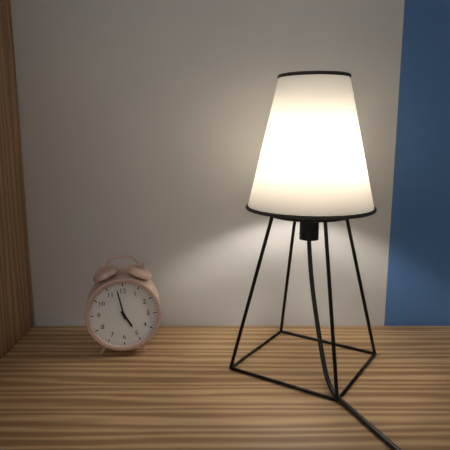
4:58
